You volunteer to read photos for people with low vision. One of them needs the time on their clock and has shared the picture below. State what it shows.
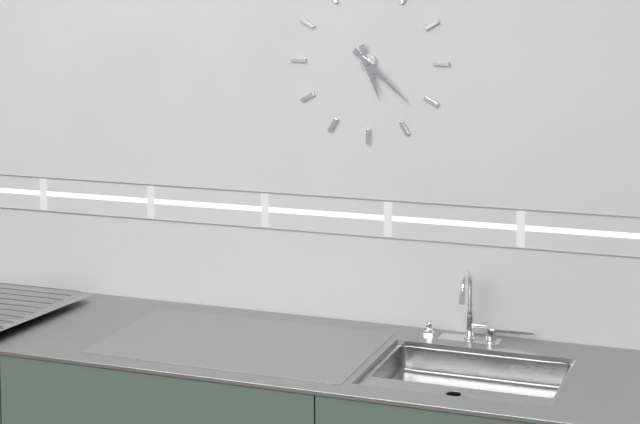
5:22
